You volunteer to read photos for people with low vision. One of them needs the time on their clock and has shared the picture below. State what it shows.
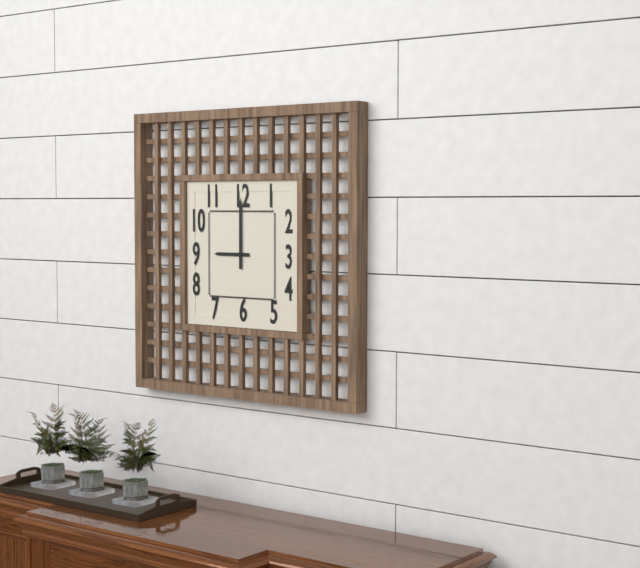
9:00
